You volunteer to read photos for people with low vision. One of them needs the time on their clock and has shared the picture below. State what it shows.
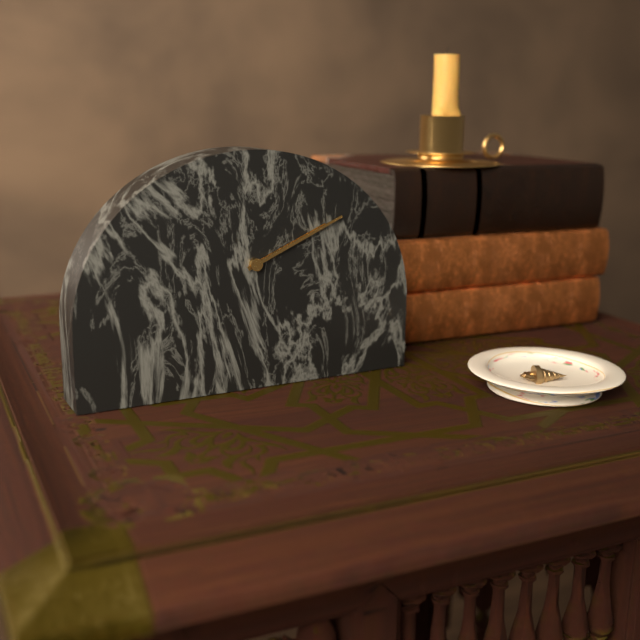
2:11
